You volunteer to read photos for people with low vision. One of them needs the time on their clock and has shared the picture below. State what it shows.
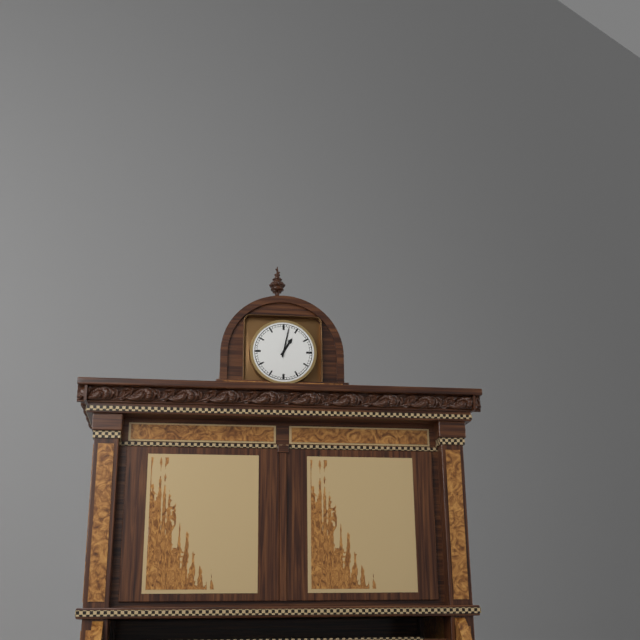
1:02
